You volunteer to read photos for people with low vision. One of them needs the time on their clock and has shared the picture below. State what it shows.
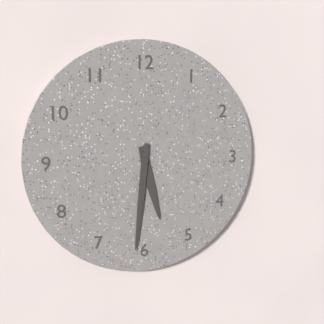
5:31
